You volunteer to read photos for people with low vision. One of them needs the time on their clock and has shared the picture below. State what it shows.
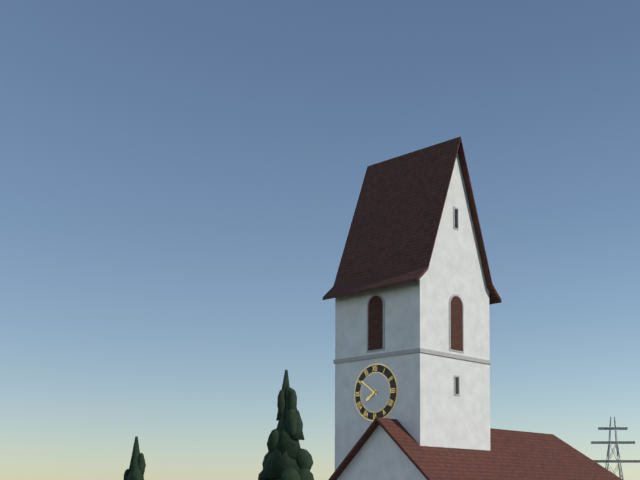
7:51
